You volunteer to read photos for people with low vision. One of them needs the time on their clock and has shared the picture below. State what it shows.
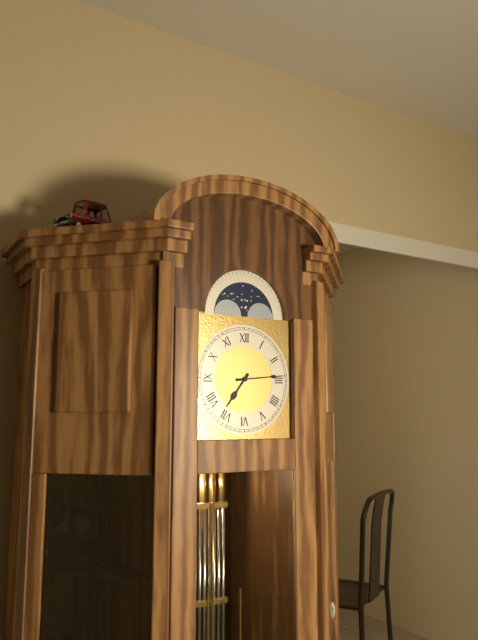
7:14
